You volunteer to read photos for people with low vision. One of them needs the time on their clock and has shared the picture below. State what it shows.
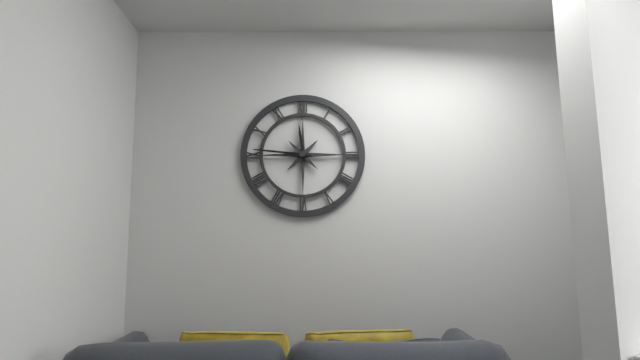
11:46
